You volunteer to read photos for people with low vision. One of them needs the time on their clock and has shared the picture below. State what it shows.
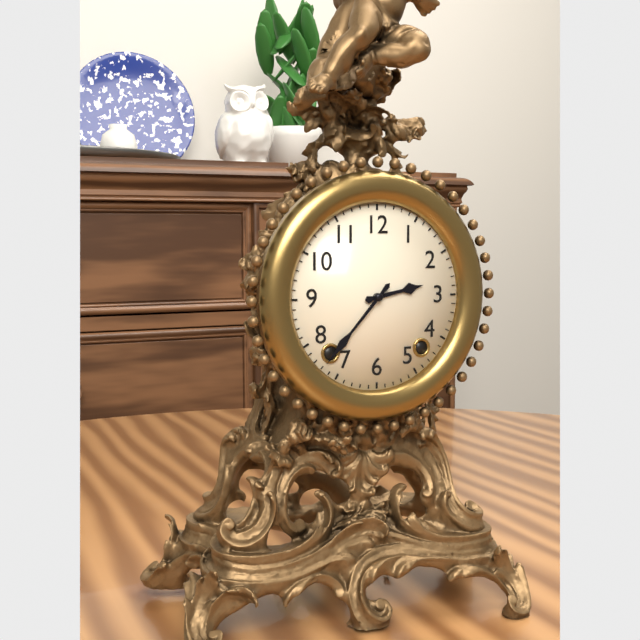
2:37
